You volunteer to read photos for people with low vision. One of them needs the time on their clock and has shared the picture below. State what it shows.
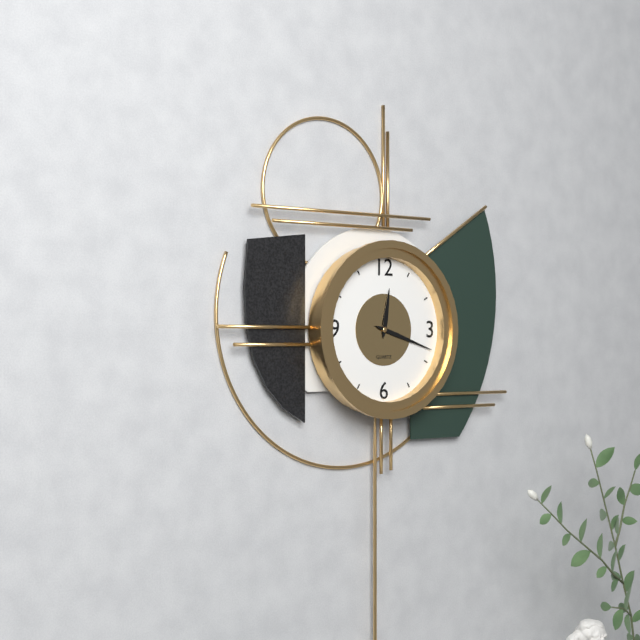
12:18
